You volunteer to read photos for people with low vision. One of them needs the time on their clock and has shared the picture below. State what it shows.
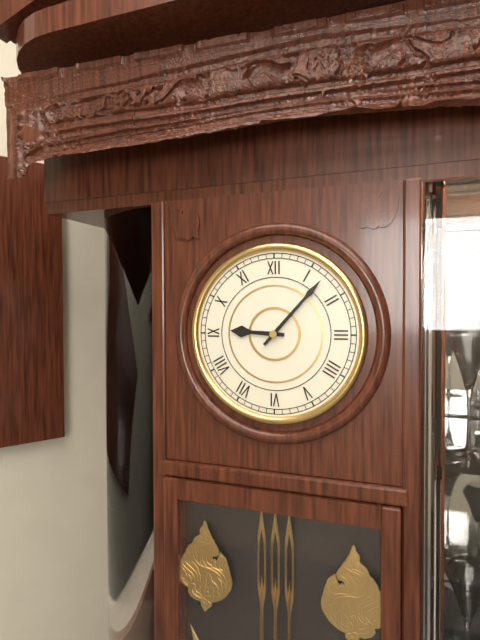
9:07
